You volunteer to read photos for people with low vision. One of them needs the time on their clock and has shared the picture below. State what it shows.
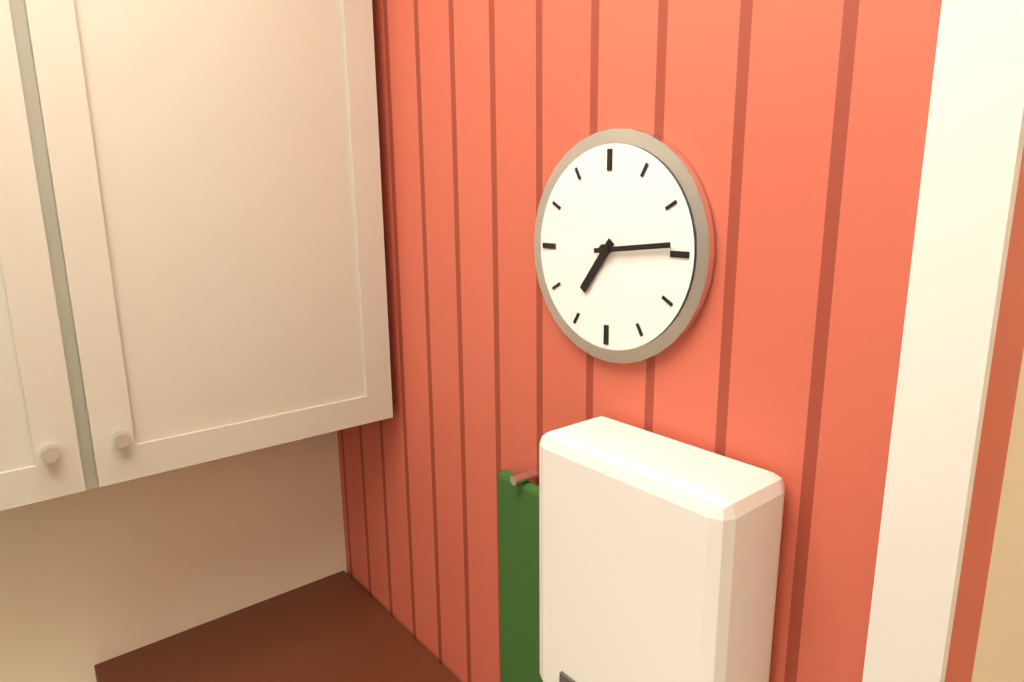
7:14
